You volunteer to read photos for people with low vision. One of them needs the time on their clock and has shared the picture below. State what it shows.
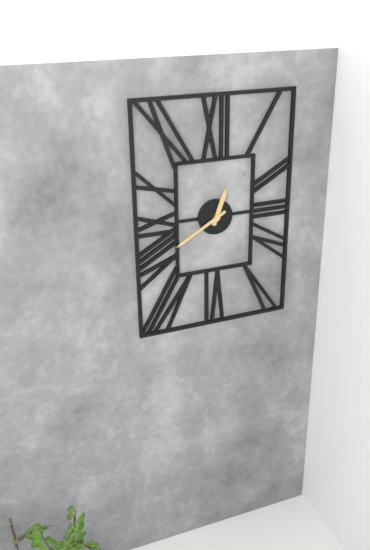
12:40
